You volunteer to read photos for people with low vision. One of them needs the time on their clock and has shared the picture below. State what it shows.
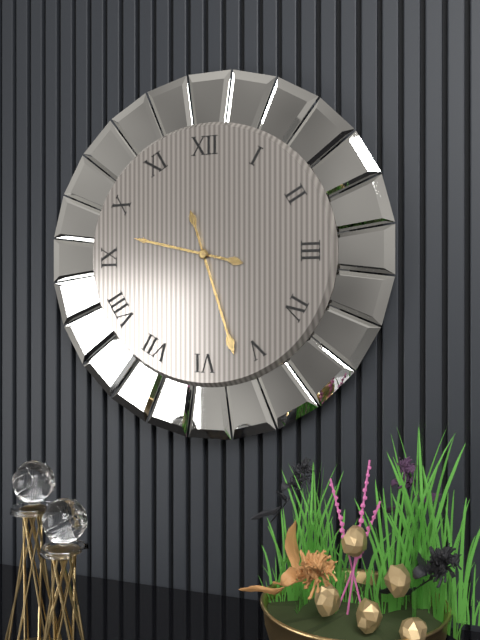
9:27
